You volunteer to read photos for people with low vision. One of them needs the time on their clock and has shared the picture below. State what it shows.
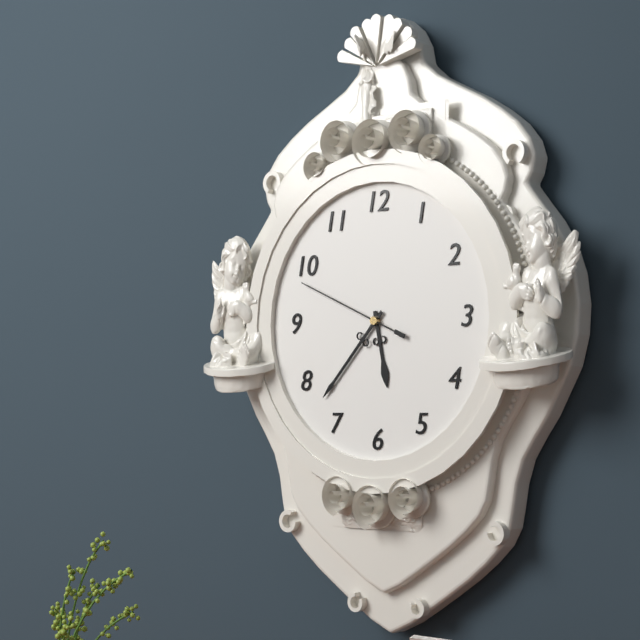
5:37:49
